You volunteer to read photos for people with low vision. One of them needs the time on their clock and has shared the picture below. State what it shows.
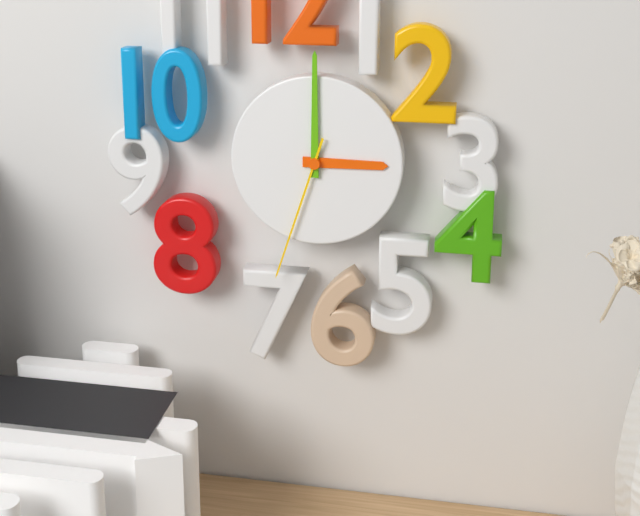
3:00:33
